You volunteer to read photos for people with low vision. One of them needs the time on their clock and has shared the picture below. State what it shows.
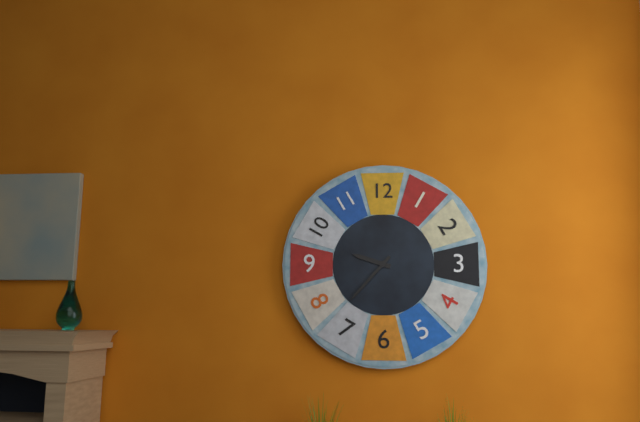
9:37
